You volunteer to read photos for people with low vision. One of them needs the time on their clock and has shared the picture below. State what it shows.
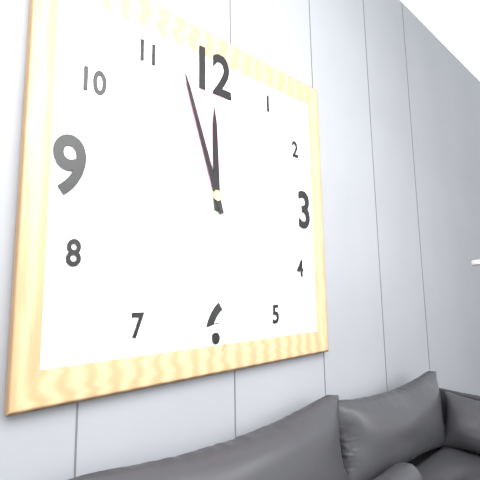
11:57
